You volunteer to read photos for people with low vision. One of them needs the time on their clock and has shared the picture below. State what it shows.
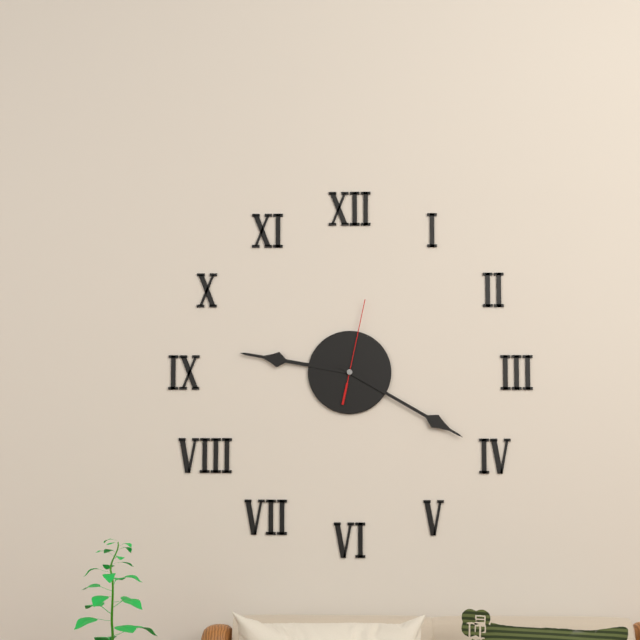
9:20:02
